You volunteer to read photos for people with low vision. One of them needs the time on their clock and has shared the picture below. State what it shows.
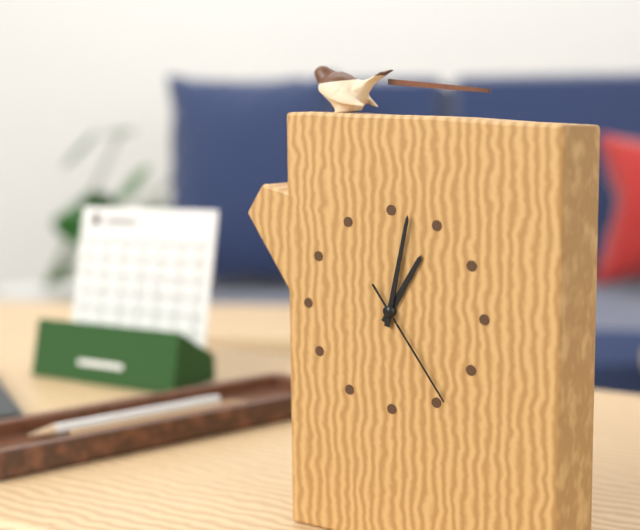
1:02:24
